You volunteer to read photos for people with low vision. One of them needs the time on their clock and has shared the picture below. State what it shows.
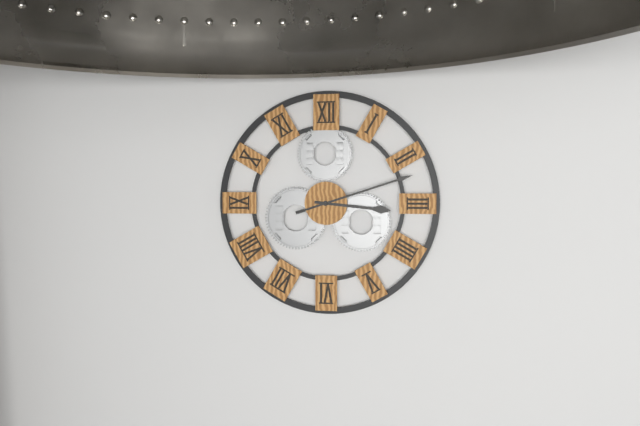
3:12
